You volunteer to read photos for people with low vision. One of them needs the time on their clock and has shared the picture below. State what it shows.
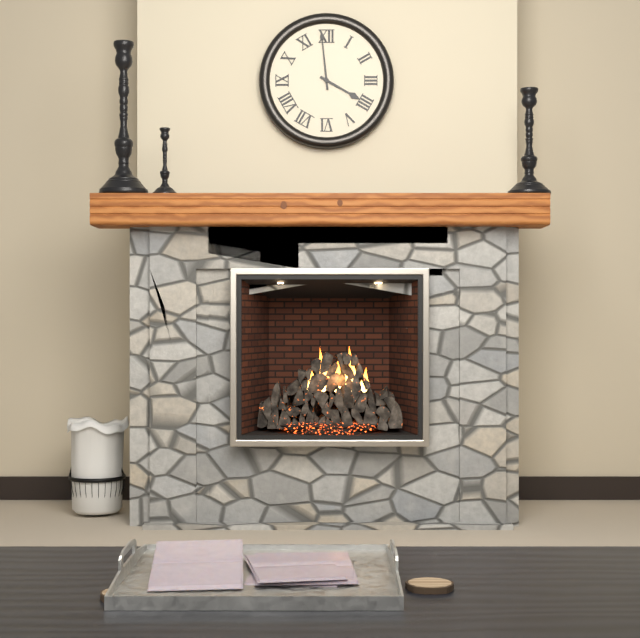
3:59
